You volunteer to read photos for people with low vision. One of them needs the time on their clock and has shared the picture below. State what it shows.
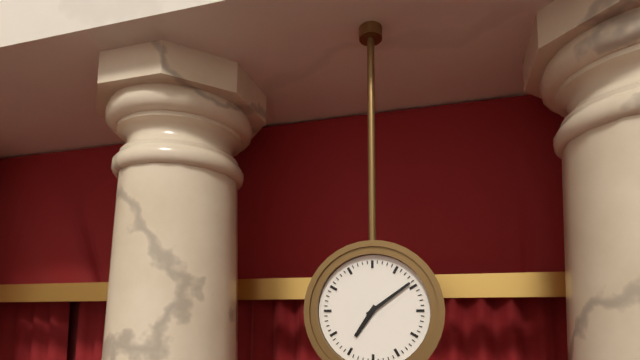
7:09
